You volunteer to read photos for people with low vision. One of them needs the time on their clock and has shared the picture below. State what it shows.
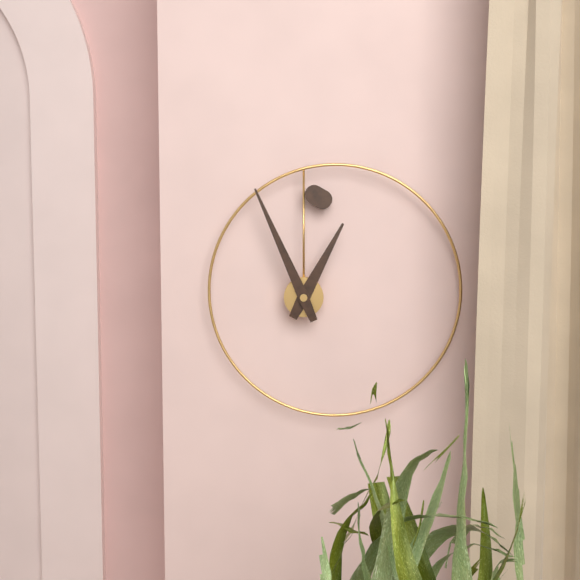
12:56
